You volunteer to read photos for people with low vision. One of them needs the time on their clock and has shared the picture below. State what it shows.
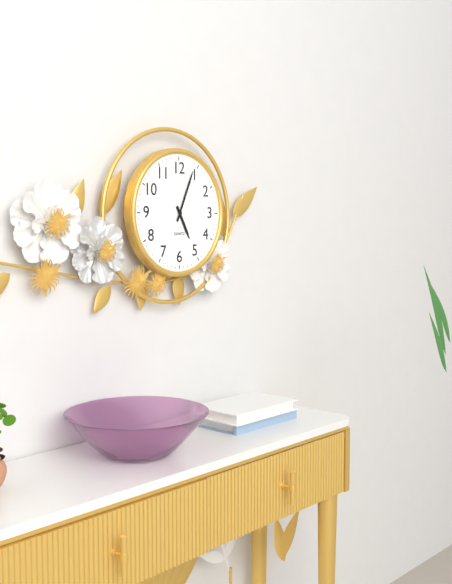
5:04
